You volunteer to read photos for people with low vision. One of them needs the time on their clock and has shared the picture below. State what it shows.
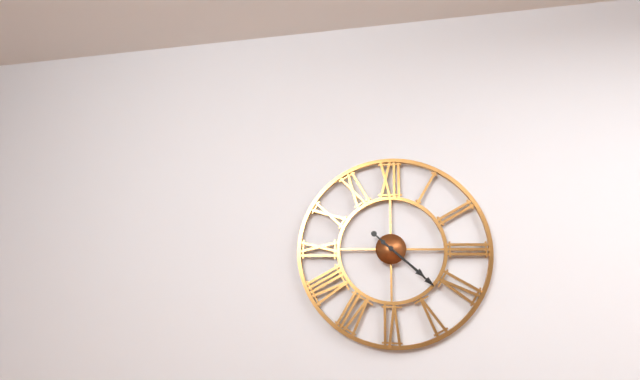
4:22
